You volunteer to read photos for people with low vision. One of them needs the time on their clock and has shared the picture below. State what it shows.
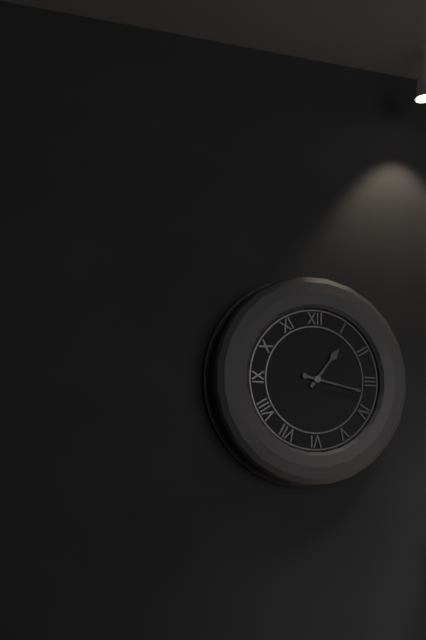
1:17
